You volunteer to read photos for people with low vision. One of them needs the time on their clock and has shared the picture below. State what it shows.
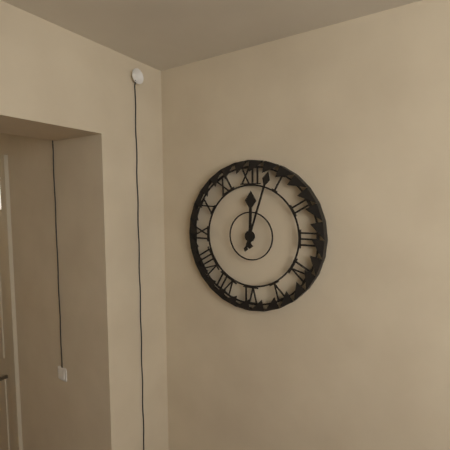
12:03
